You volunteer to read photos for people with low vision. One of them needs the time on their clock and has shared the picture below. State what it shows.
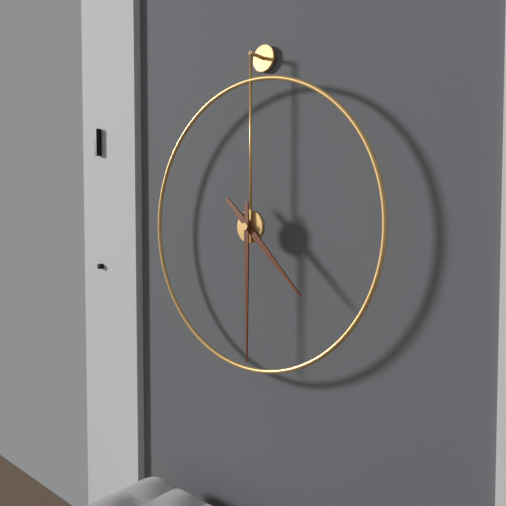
4:30
